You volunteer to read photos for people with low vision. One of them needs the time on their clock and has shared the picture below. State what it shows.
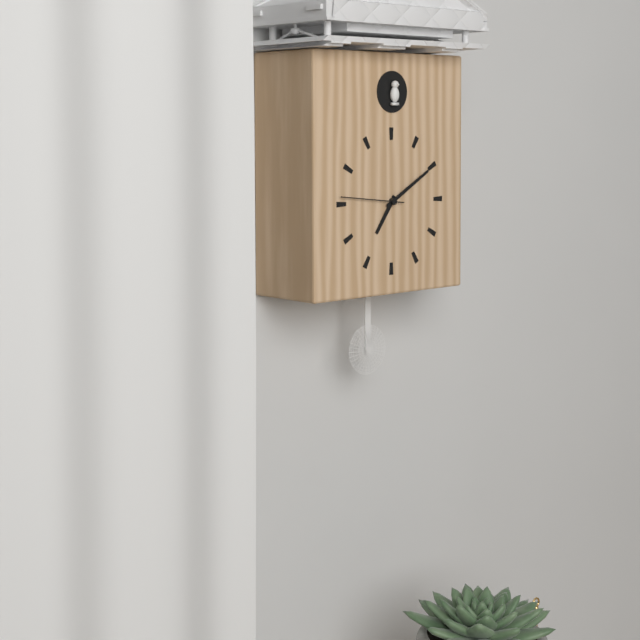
7:10:46
